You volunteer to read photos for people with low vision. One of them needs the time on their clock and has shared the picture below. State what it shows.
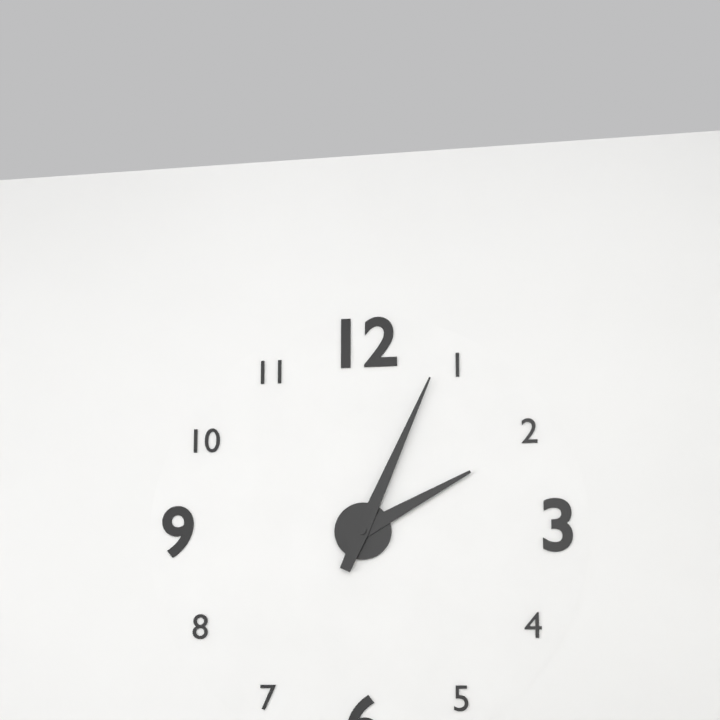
2:04
